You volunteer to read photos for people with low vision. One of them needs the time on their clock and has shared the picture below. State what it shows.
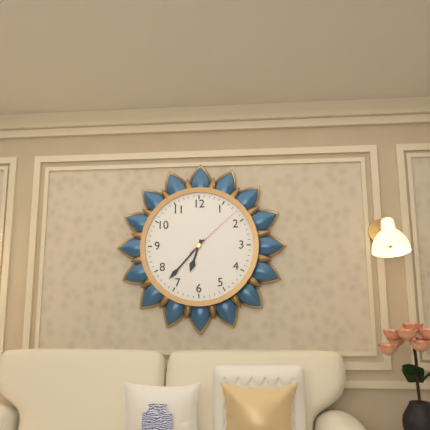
6:37:08
